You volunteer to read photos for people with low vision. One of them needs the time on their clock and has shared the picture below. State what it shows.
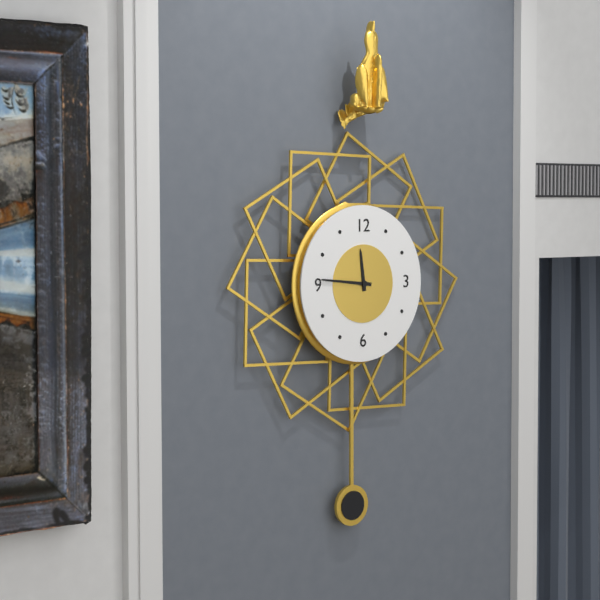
11:46
